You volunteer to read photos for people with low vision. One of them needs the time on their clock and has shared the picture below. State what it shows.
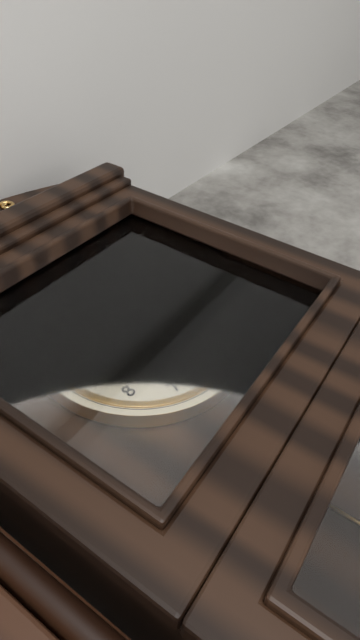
11:31
